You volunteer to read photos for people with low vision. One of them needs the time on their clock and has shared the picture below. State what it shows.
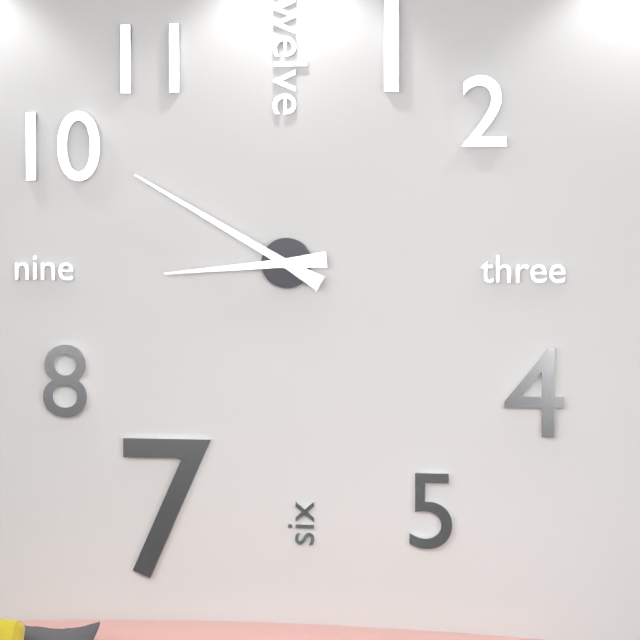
8:50
